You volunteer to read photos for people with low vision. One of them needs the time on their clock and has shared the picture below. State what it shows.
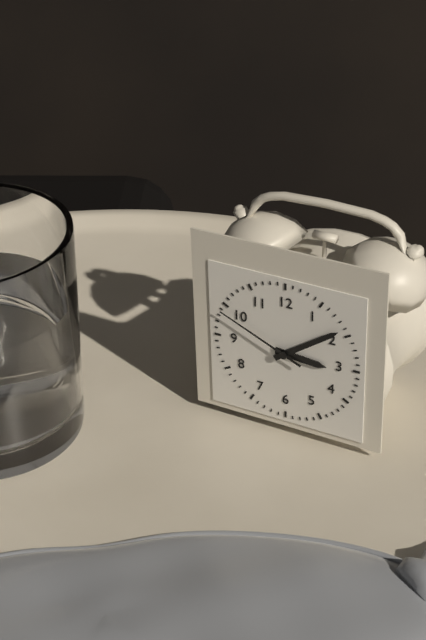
3:09:49
